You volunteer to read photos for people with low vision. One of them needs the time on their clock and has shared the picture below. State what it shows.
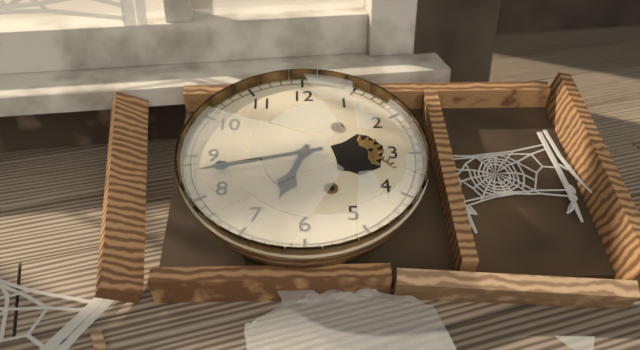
6:43
